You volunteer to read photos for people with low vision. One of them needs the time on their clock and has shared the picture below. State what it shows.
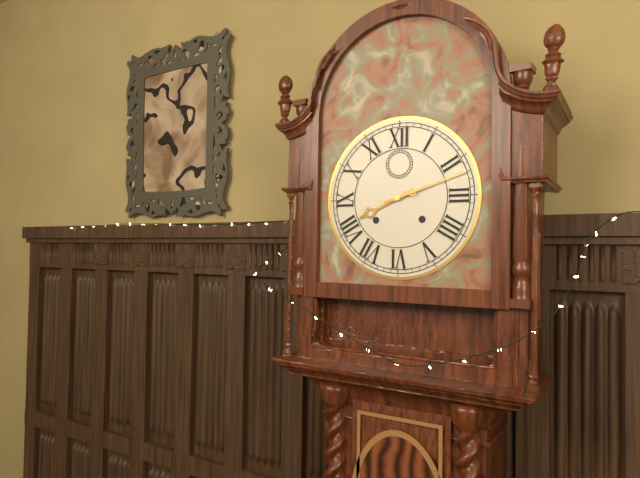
8:12
